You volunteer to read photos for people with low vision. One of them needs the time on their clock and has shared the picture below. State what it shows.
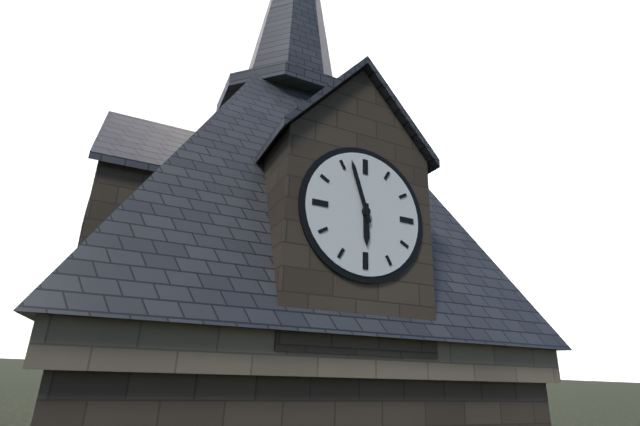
5:57
